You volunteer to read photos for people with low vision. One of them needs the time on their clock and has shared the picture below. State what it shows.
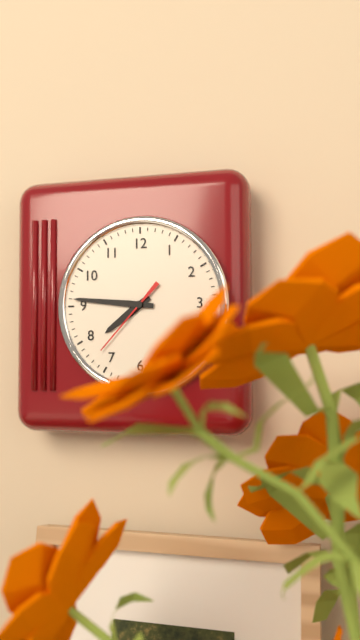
7:46:37
